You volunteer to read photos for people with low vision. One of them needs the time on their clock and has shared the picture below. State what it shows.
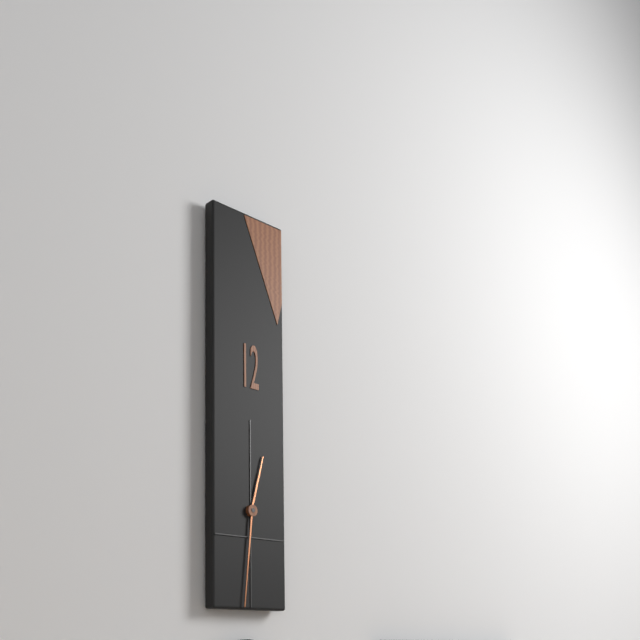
12:31
